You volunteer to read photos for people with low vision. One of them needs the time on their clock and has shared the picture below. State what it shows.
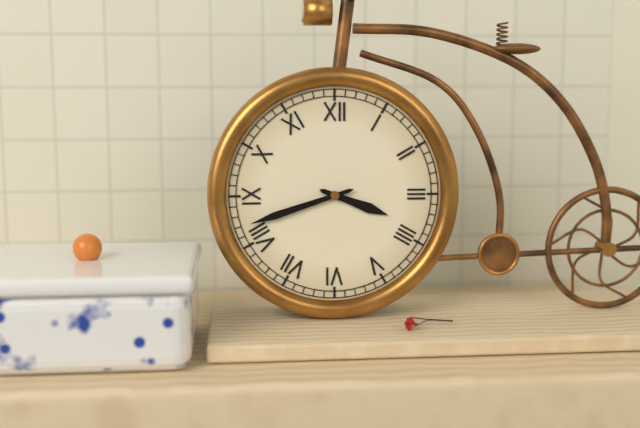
3:42
